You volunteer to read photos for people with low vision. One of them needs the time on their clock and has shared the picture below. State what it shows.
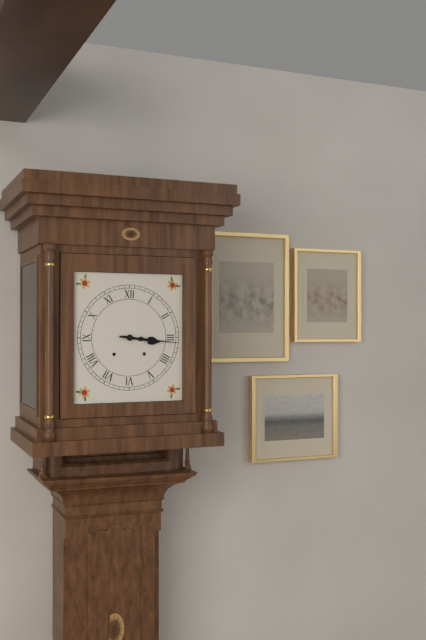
3:16
